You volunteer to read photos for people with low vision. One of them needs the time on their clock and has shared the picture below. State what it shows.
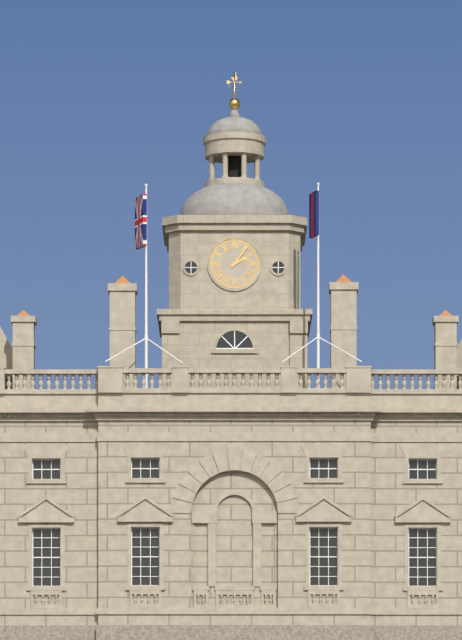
2:06
